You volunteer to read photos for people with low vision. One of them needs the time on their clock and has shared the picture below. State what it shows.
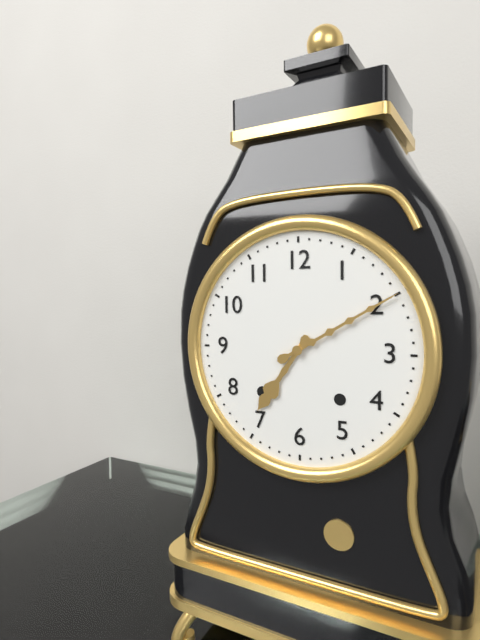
7:10
